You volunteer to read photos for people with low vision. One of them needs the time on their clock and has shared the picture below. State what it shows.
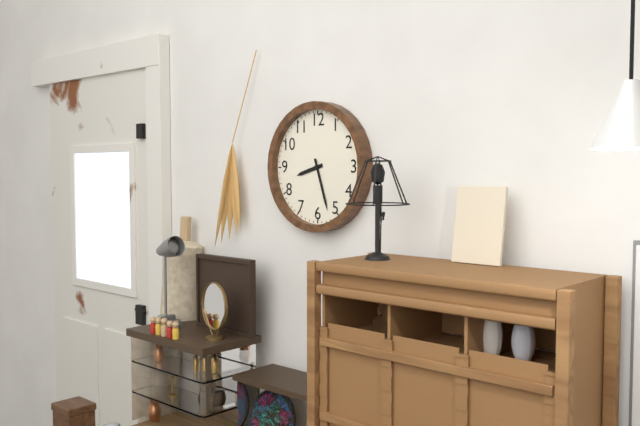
8:27
